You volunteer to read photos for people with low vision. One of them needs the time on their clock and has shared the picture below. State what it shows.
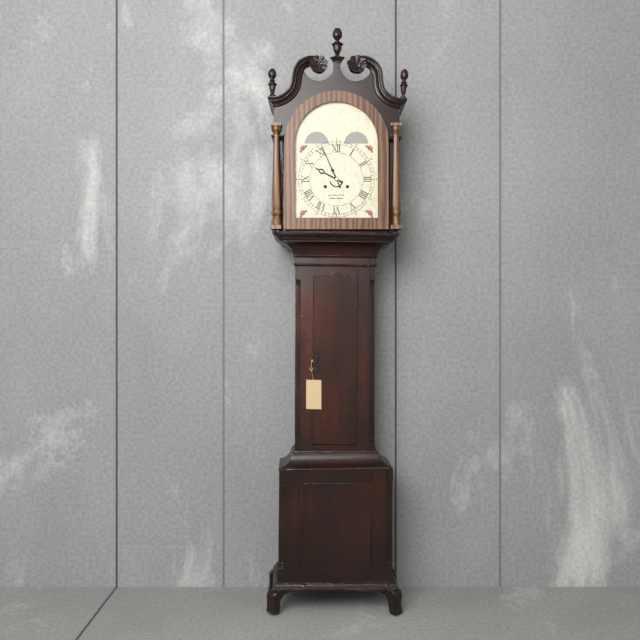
9:56
